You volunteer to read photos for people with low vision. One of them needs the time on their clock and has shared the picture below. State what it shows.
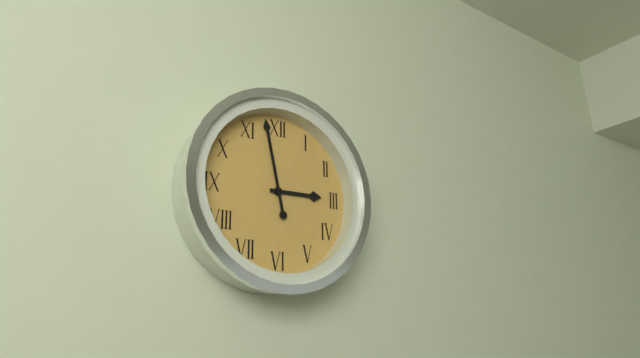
2:58
